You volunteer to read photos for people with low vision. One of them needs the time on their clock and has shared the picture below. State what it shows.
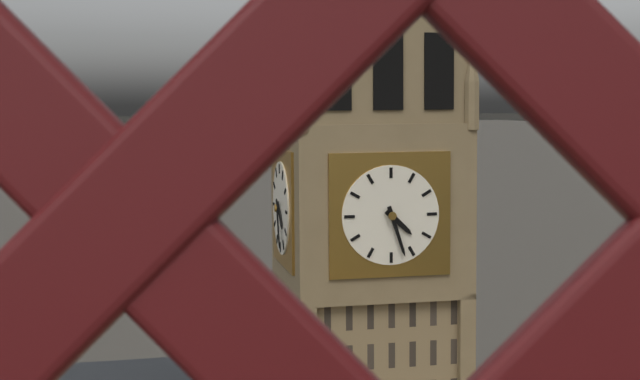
4:27
